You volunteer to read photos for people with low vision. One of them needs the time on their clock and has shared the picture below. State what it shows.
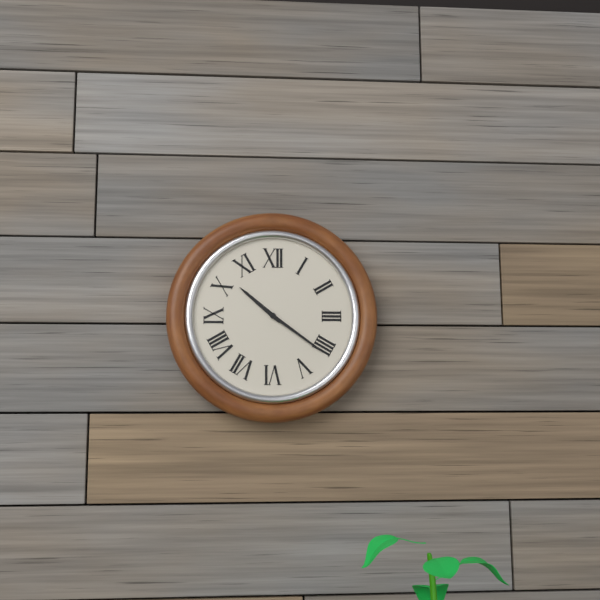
10:21
